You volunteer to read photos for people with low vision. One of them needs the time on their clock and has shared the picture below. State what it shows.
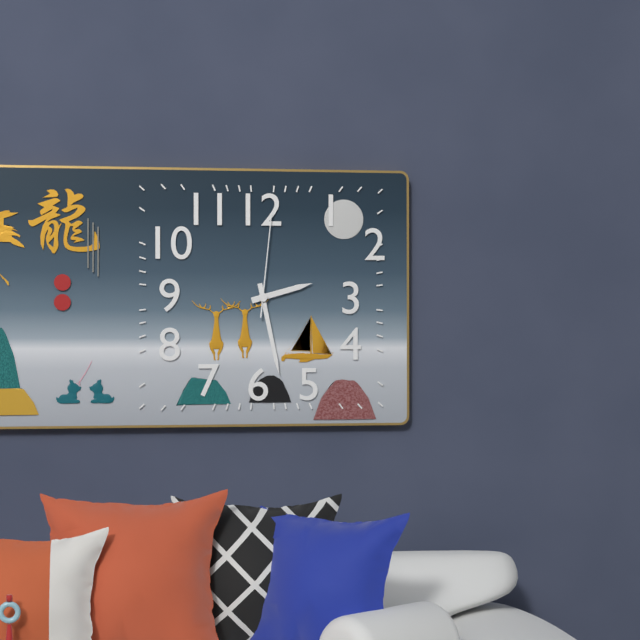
2:28:01
